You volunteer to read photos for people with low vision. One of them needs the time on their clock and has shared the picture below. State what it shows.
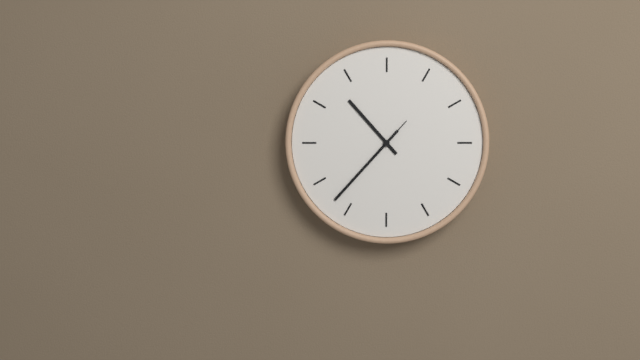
10:37:37
